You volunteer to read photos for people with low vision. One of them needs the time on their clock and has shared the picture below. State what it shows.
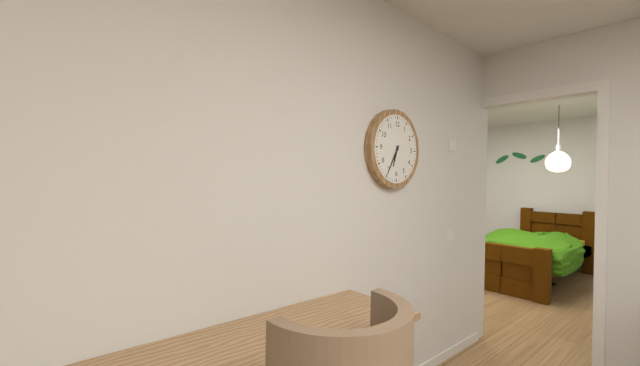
6:35
